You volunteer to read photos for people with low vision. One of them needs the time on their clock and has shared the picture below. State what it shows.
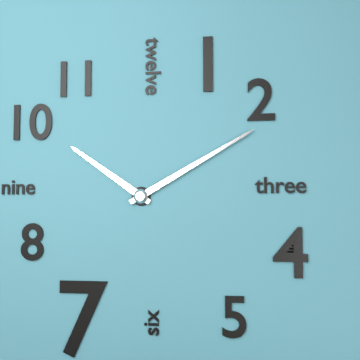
10:10
